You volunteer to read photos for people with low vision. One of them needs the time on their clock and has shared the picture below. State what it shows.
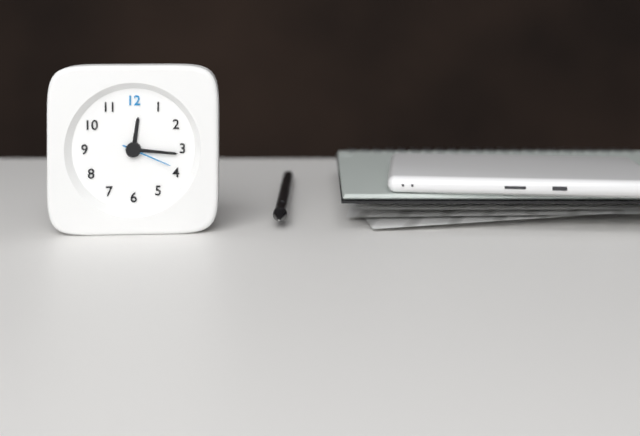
12:16:19
